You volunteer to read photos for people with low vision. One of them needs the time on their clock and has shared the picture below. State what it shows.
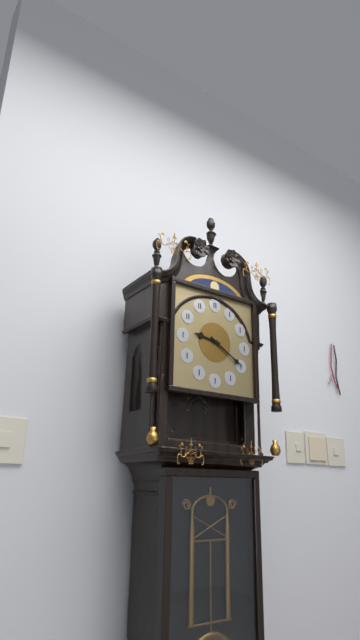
9:20
